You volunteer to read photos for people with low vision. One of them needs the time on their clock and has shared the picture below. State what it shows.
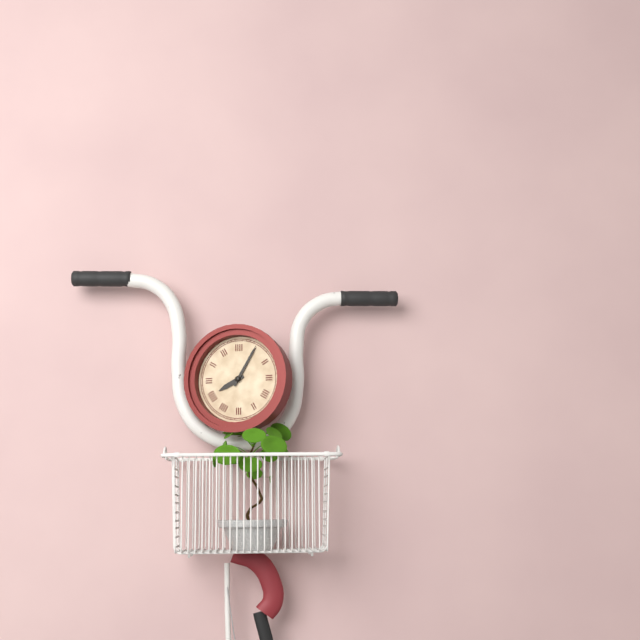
8:05
